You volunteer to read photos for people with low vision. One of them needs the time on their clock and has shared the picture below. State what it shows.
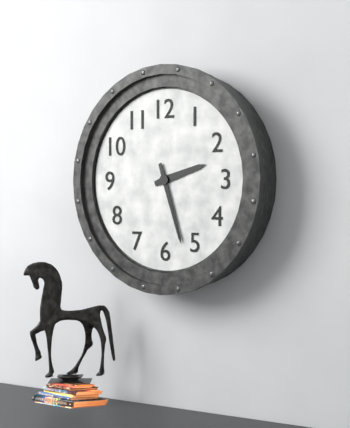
2:27
